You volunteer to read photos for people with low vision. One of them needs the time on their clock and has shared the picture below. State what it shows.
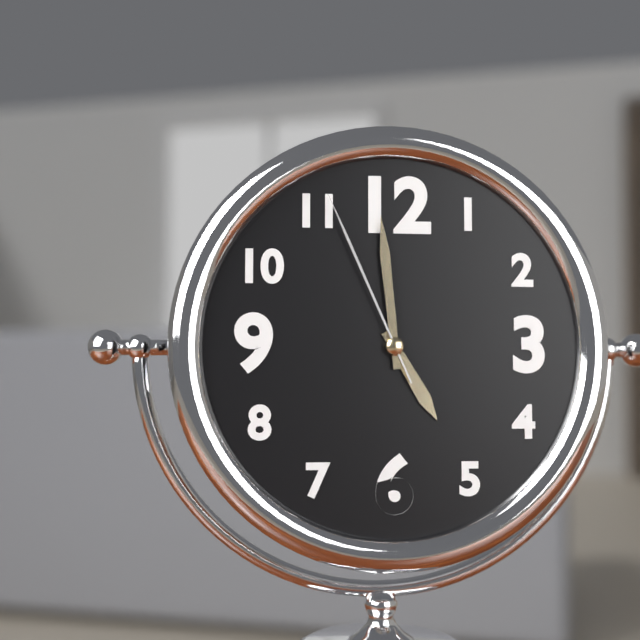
4:59:56
